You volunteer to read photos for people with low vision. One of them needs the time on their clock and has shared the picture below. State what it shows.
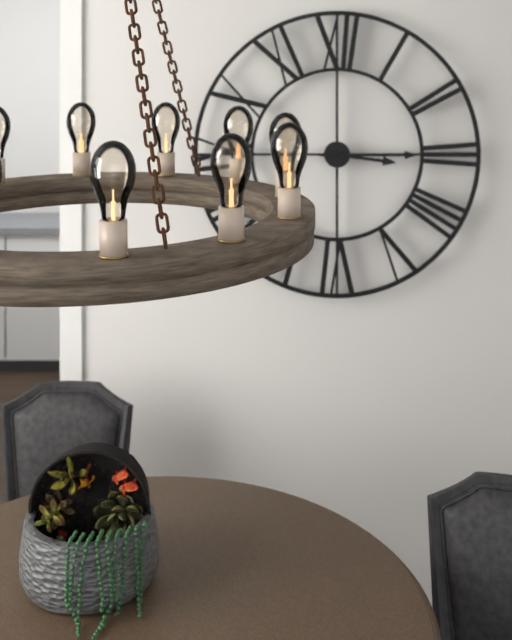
3:15
